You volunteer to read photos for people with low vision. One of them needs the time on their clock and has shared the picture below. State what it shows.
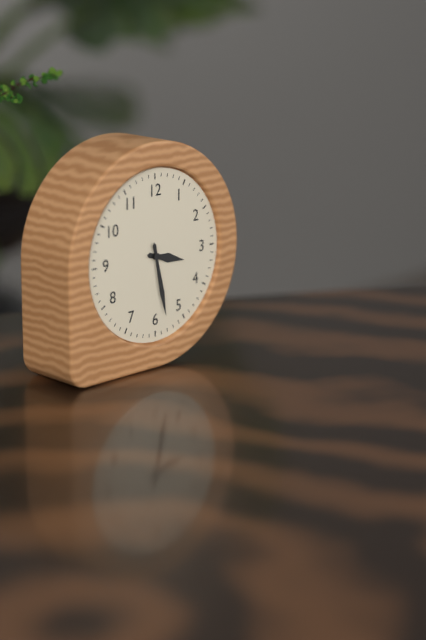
3:28
